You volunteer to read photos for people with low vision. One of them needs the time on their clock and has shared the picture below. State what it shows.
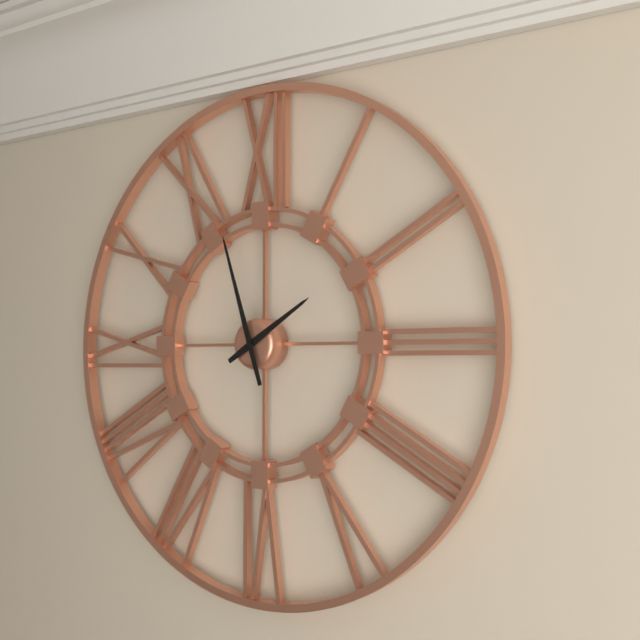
1:57
